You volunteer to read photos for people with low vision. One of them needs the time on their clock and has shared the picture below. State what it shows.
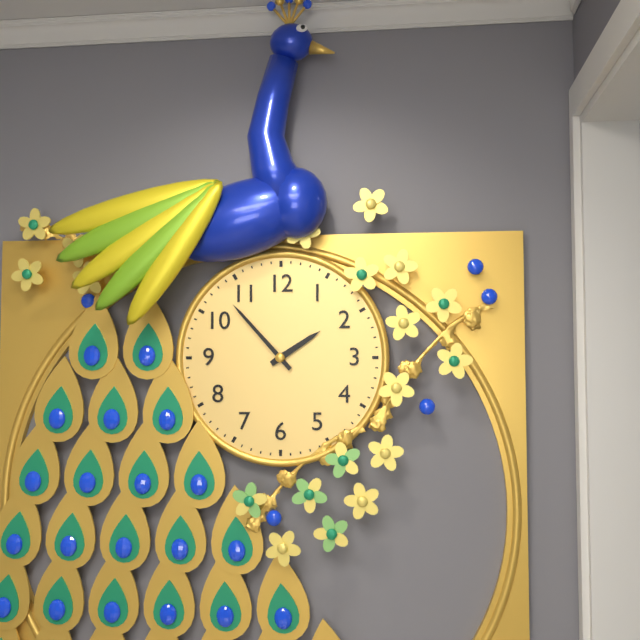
1:53
